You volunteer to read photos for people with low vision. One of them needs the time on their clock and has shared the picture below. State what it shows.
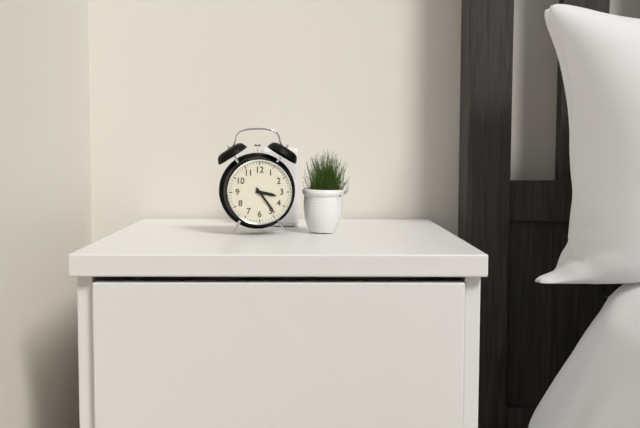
3:24
